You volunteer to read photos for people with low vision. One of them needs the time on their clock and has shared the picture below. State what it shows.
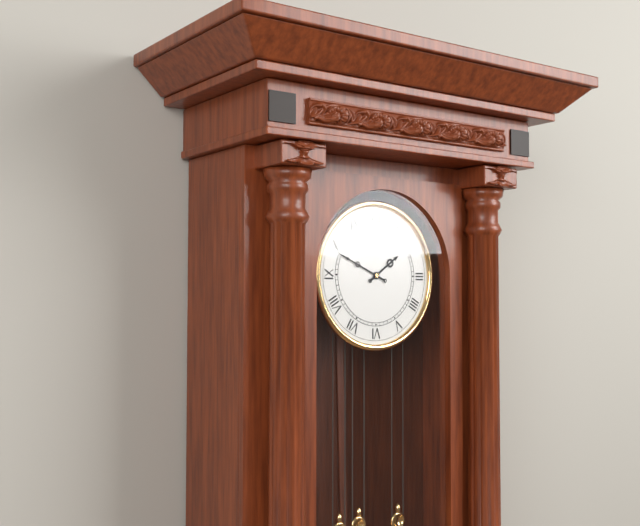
1:49
